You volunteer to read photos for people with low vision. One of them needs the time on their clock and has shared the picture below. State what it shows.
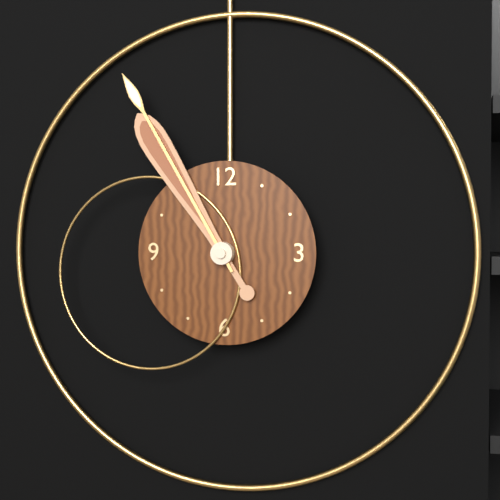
10:55
